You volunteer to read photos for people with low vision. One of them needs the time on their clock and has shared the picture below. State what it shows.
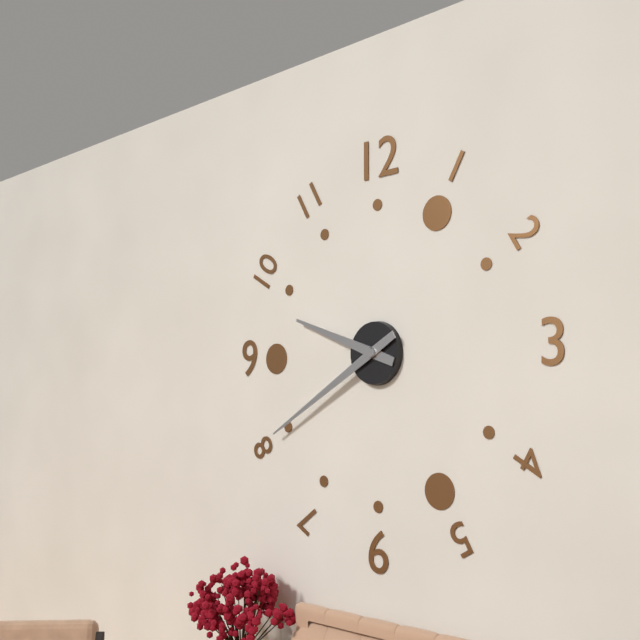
9:40
